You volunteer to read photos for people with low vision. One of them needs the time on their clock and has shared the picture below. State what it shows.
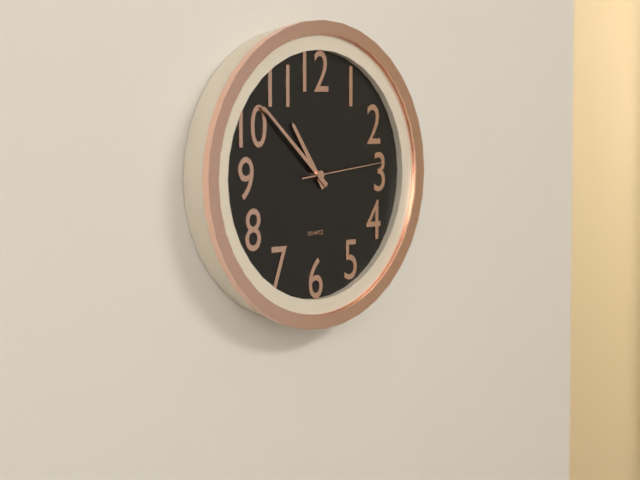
10:52:14
